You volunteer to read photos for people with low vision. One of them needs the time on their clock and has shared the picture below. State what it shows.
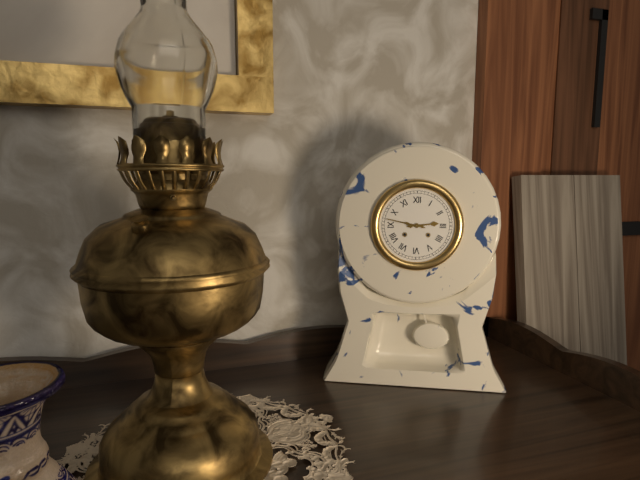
2:47
